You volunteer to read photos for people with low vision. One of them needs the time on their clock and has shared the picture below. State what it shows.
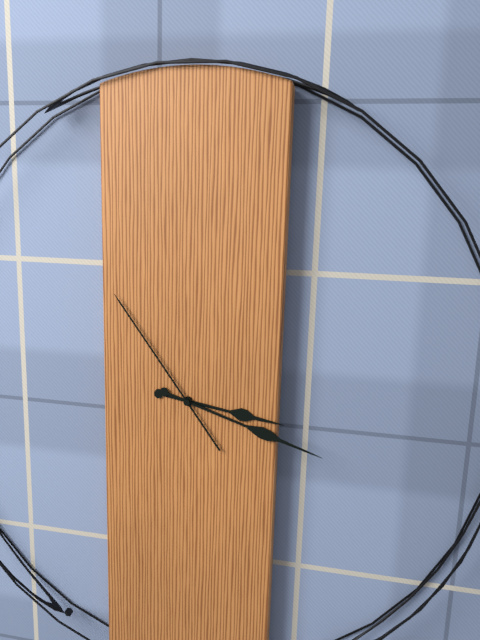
3:18:54
